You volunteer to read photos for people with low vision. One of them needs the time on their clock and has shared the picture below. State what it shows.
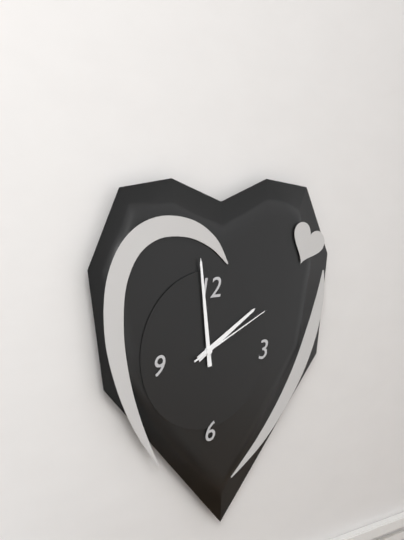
1:59:11
